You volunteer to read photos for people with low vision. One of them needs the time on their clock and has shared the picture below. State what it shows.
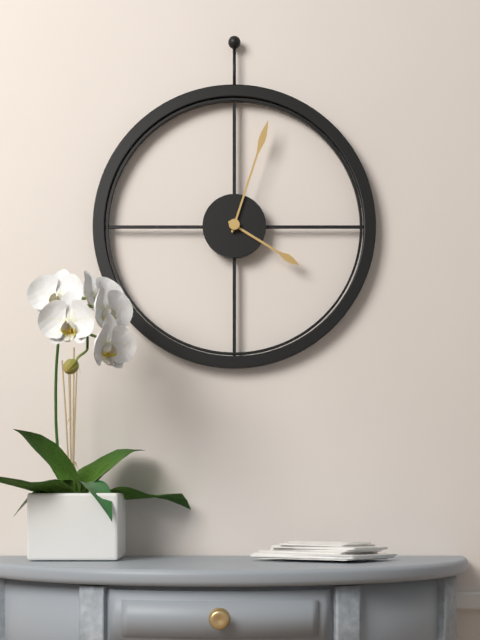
4:03
